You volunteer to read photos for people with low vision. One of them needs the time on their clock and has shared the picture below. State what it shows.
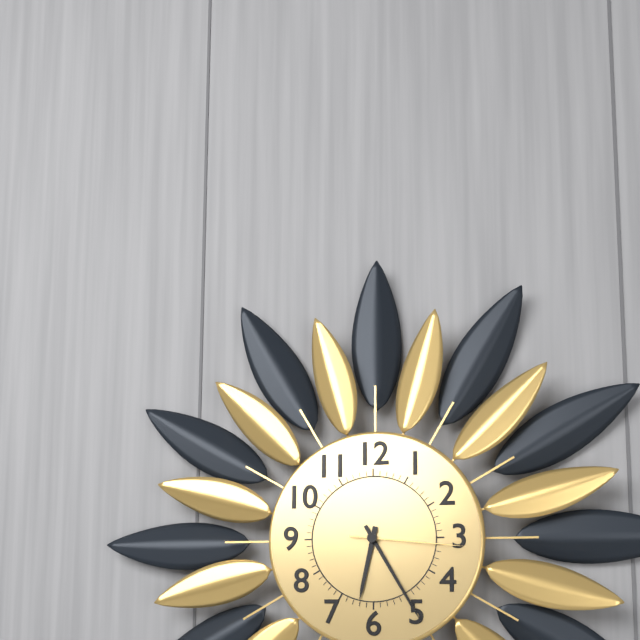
6:25:16
